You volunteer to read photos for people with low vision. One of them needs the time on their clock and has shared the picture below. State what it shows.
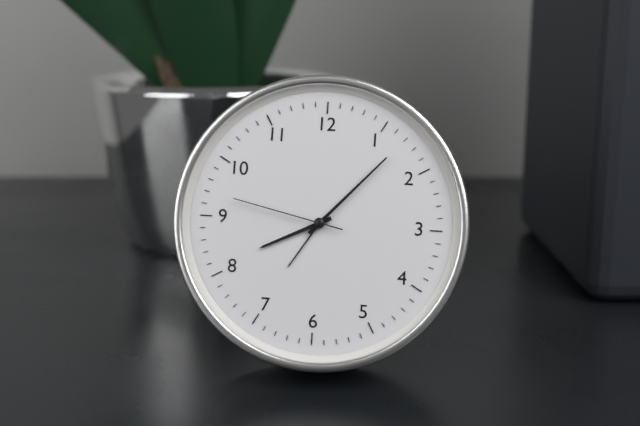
8:07:47
